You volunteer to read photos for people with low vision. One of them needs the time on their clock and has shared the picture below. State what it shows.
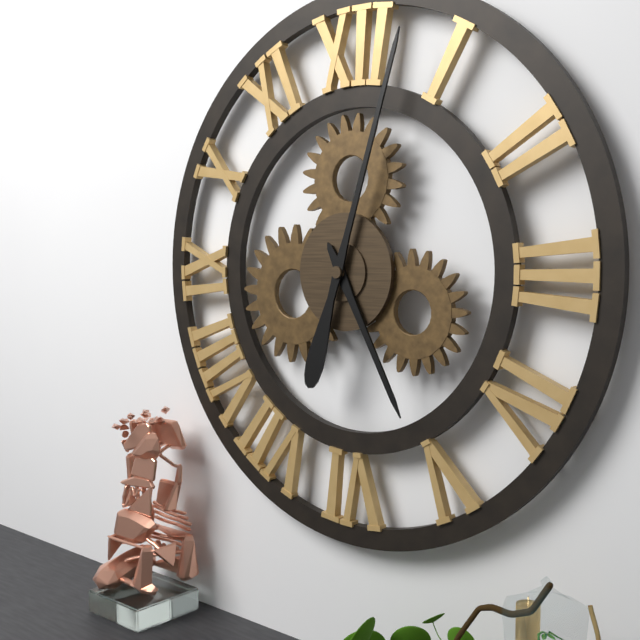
5:03
